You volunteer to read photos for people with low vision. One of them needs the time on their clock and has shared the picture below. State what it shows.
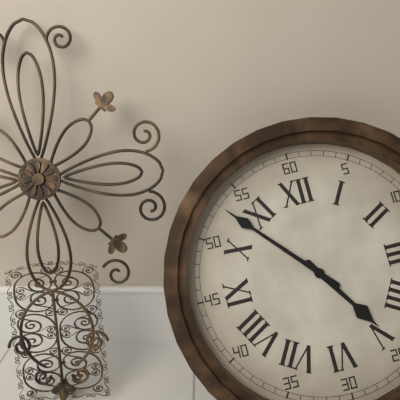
4:53
